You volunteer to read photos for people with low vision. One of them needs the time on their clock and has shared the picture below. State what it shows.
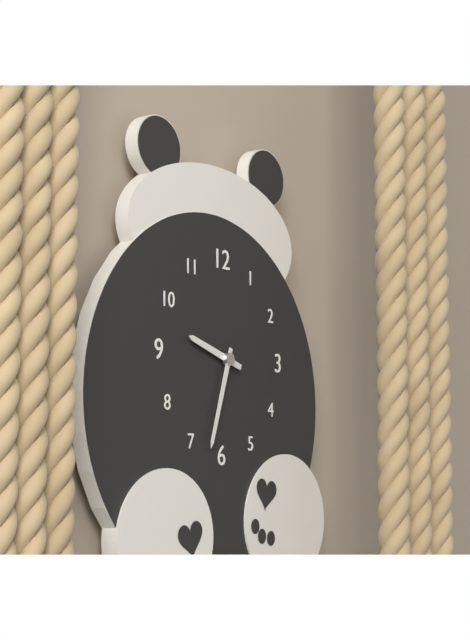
9:33
